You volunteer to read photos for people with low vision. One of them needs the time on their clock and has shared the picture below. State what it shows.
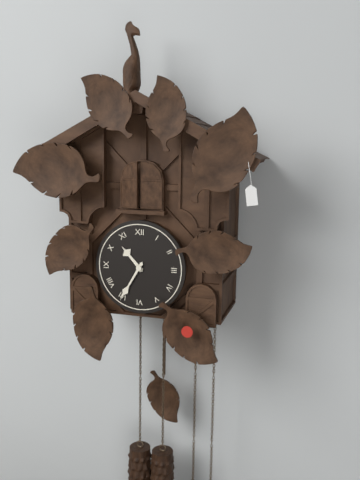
10:35
